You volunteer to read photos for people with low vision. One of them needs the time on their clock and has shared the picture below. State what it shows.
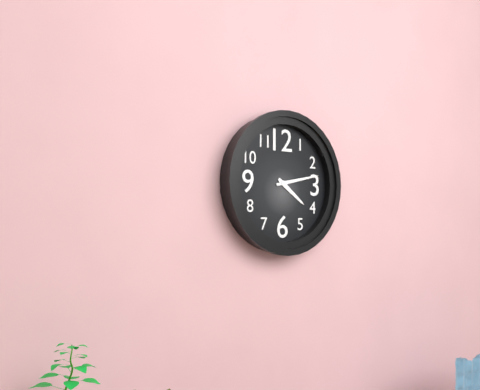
4:13
